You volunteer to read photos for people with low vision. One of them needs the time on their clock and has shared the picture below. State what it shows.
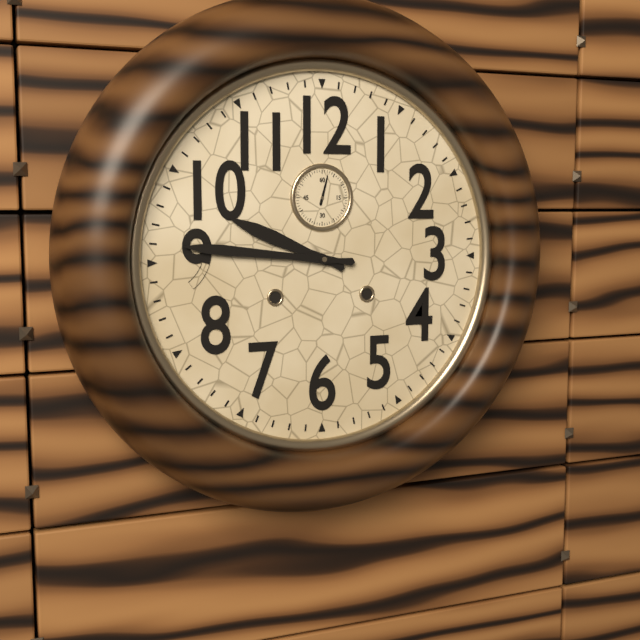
9:46
